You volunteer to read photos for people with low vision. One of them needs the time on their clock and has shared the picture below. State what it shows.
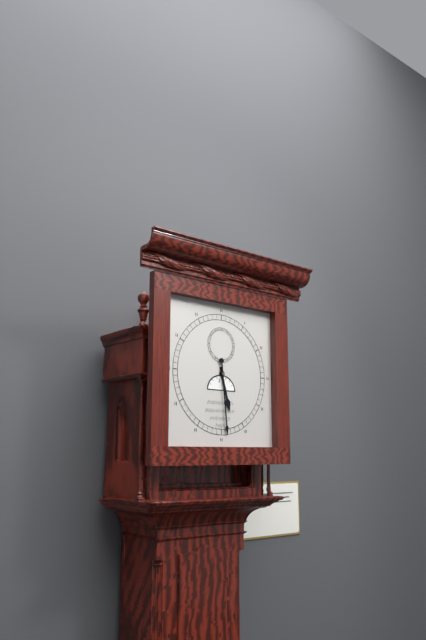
5:29
